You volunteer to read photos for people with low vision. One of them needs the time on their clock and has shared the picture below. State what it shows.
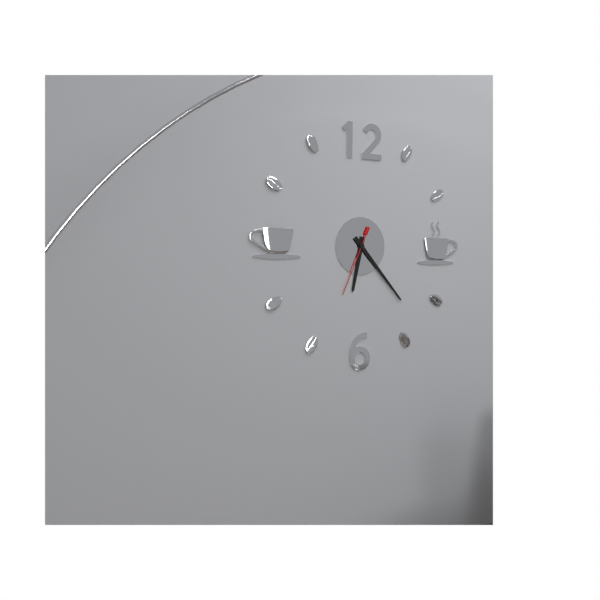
6:23:34
